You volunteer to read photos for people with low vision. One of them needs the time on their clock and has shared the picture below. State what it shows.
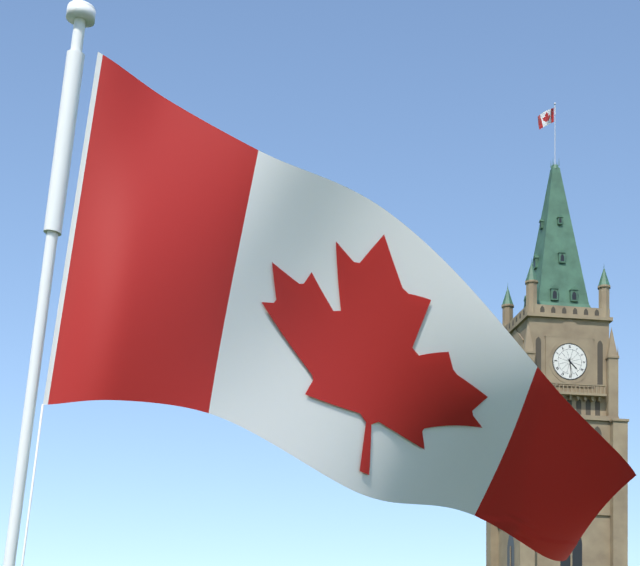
4:29
